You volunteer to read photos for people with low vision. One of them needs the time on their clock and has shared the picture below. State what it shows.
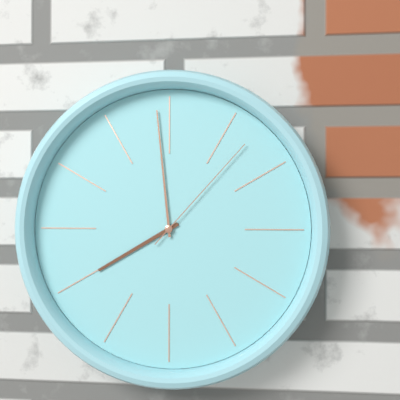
7:59:07
